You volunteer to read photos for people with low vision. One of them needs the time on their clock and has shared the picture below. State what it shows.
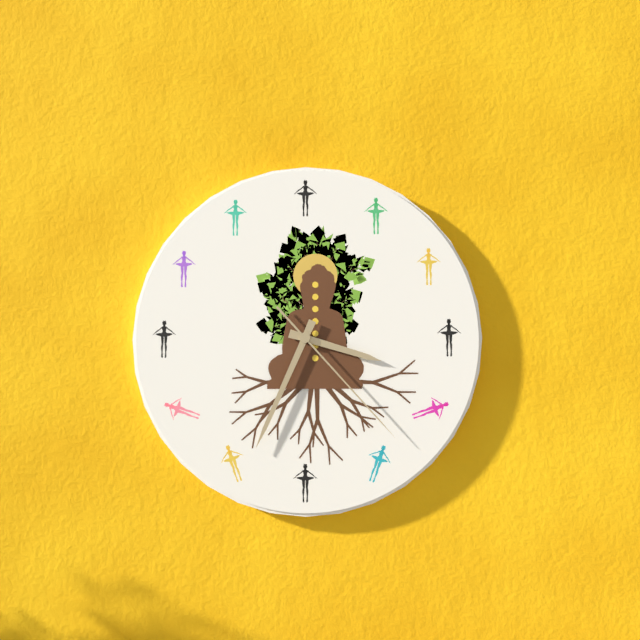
3:34:23
